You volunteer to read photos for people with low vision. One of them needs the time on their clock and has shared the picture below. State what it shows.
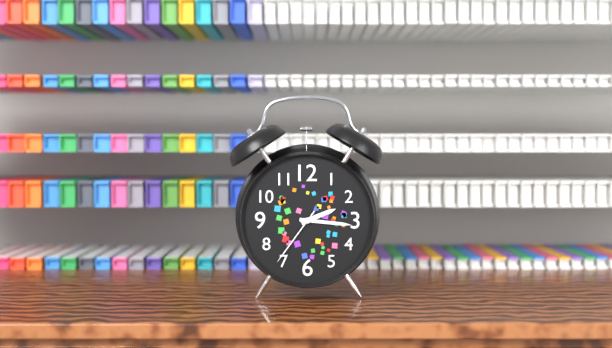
2:16:36
